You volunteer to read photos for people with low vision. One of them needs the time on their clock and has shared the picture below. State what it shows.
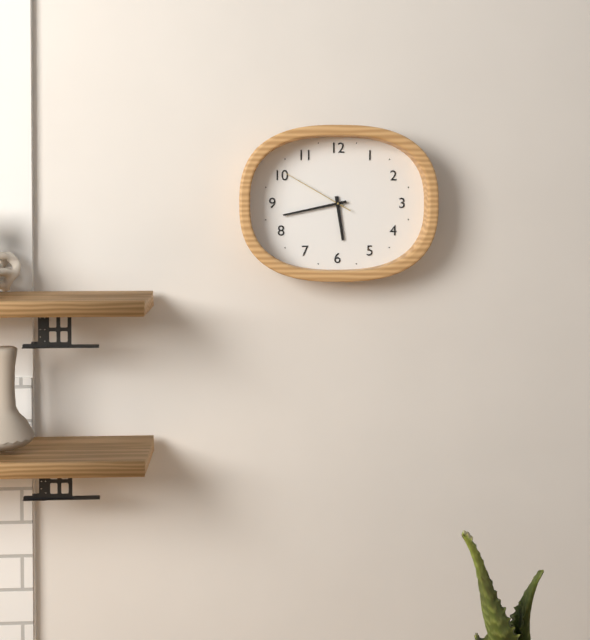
5:43:50
